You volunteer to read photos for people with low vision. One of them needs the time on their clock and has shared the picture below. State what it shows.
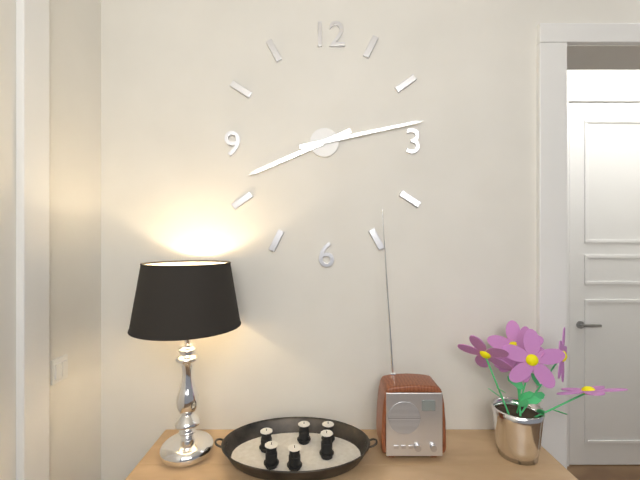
8:13
